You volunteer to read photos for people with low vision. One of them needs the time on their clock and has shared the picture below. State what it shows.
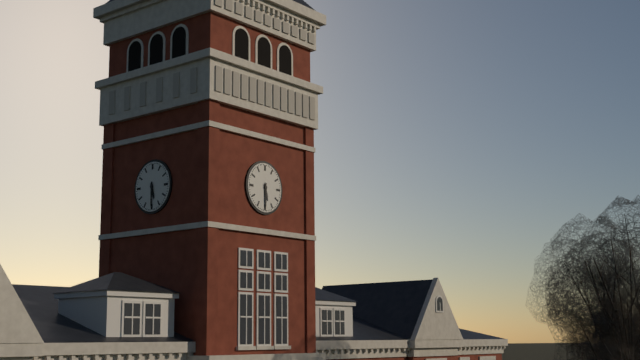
5:30
